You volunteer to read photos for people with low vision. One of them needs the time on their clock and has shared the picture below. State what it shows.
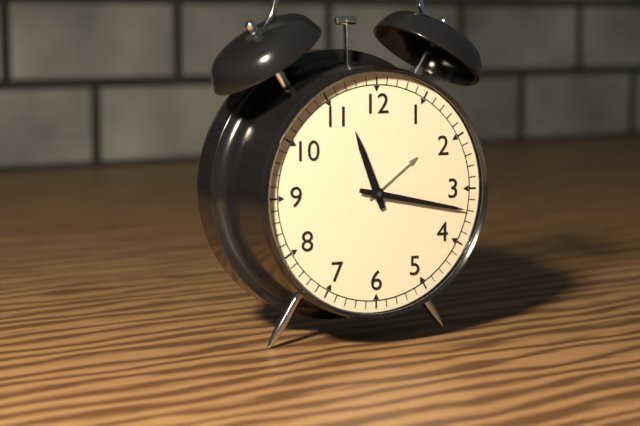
11:17
